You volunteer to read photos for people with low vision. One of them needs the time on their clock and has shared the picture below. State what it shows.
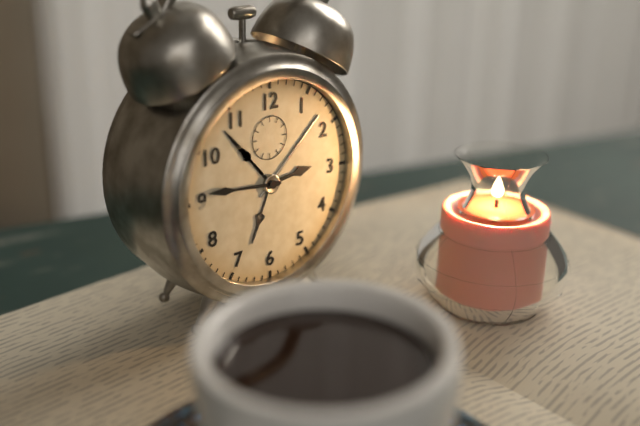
2:46
